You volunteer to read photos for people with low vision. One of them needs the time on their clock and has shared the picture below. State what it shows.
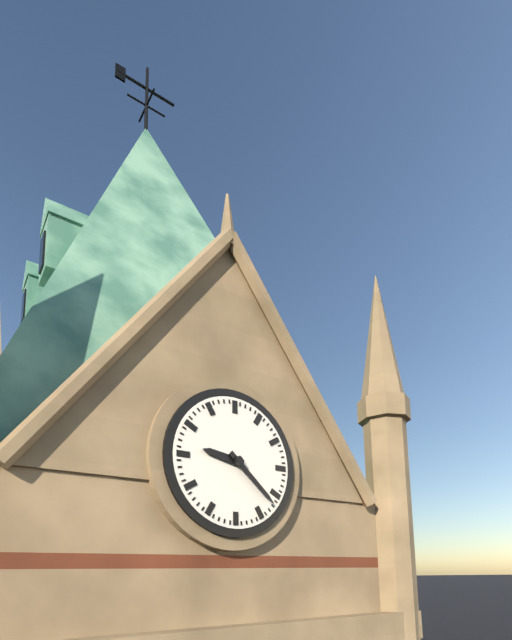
9:22
